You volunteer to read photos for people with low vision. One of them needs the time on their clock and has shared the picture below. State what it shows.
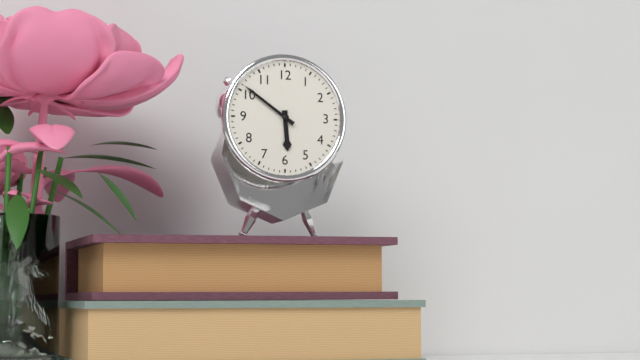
5:51
